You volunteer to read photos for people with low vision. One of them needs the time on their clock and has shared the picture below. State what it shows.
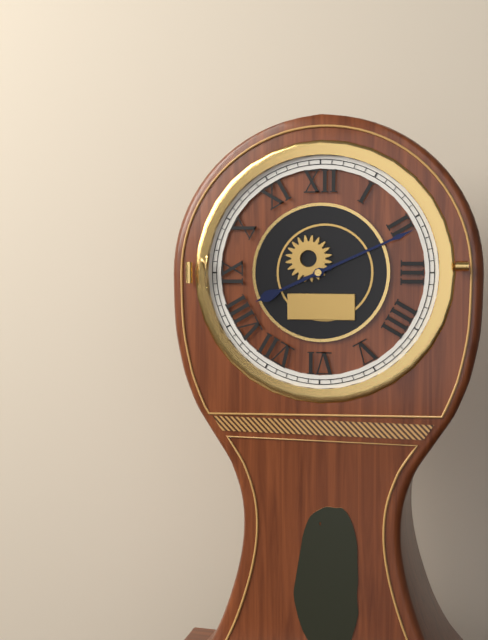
8:11
